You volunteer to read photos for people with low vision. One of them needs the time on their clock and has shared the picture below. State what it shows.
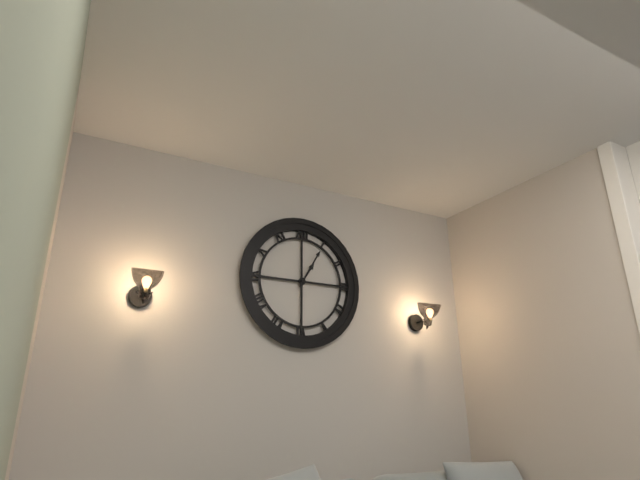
1:05
